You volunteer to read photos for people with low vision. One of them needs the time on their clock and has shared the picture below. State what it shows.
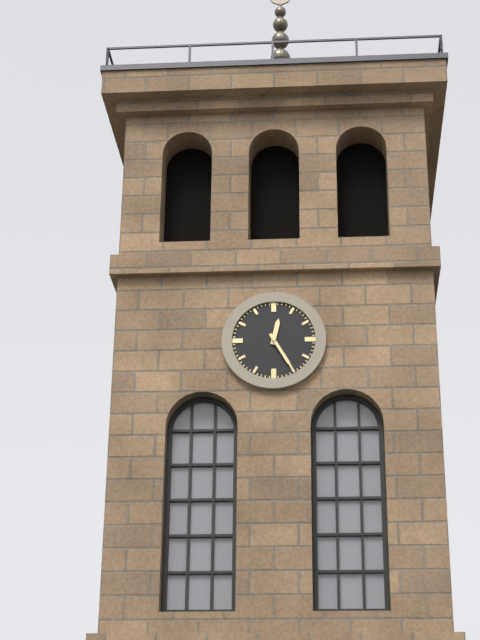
12:25
